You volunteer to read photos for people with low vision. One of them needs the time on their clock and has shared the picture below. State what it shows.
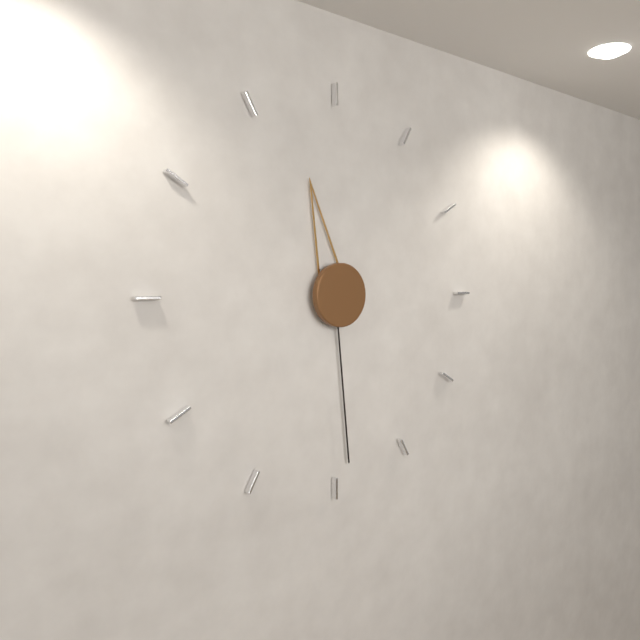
11:29
